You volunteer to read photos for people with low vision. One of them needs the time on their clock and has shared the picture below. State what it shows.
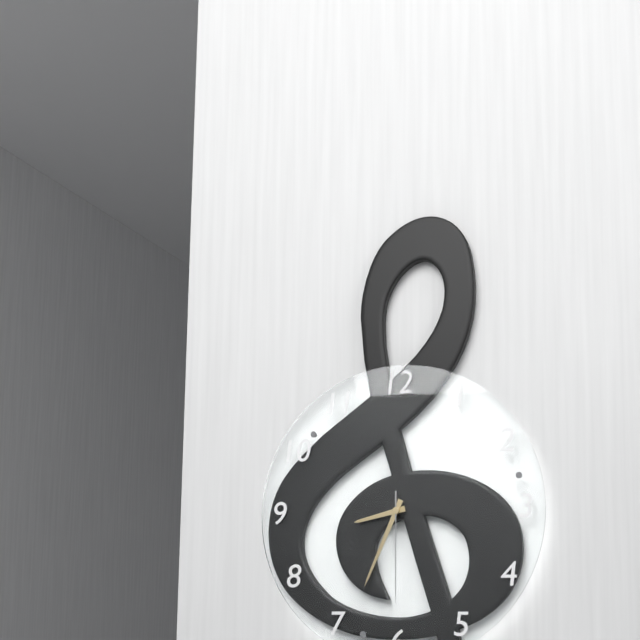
8:34:30
